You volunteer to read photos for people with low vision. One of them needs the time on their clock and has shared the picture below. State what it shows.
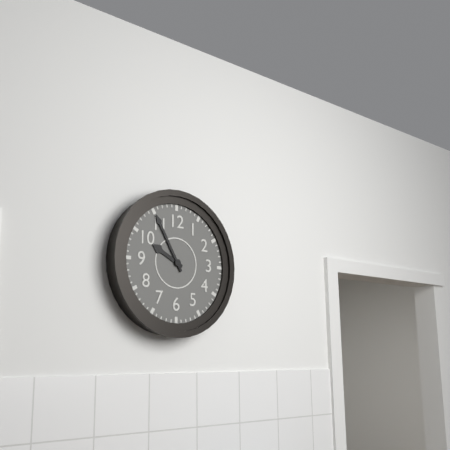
9:55
